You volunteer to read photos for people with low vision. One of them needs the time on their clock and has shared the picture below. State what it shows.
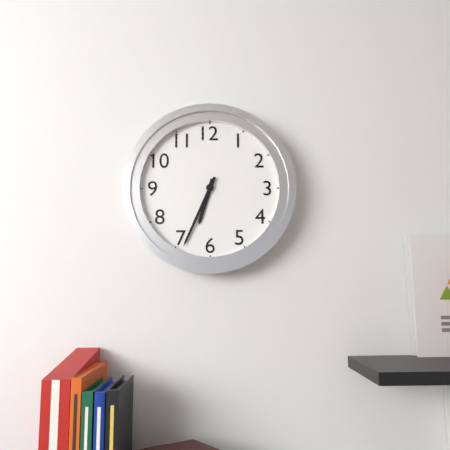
6:34
